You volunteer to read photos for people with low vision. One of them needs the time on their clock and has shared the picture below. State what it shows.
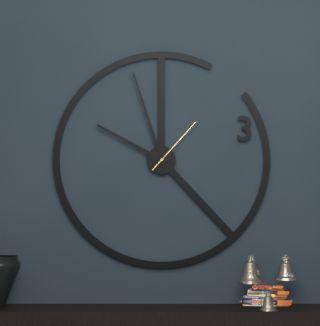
9:57:07
